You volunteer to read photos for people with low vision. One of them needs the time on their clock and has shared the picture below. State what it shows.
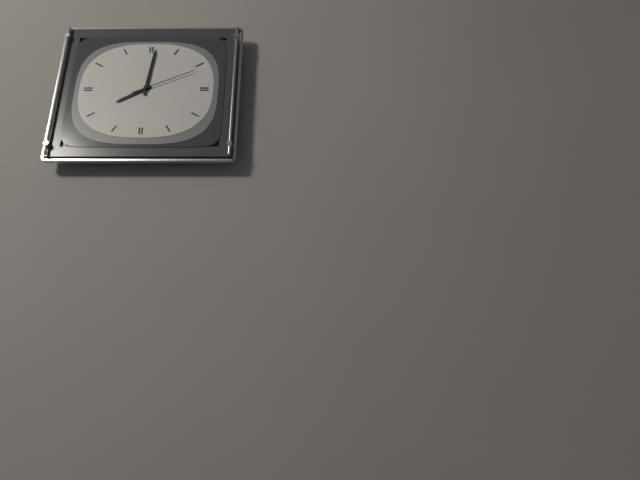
8:01:11
